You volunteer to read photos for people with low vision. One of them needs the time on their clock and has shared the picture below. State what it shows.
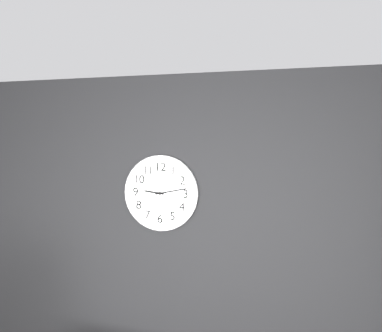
9:13
